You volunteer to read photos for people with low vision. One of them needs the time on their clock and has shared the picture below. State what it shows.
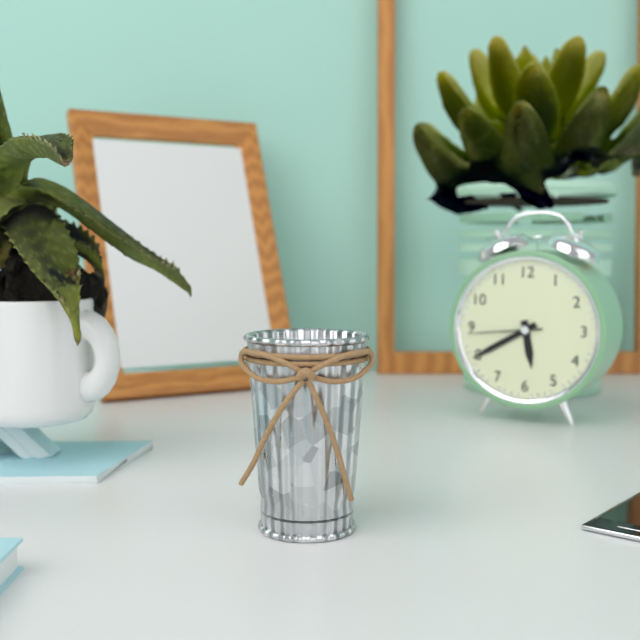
5:40:44
